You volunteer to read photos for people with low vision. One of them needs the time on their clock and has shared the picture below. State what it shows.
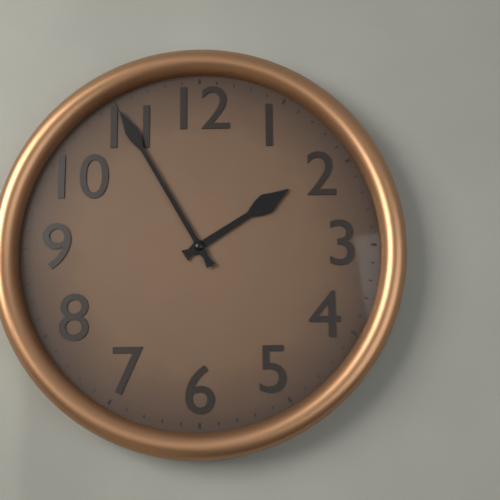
1:55
